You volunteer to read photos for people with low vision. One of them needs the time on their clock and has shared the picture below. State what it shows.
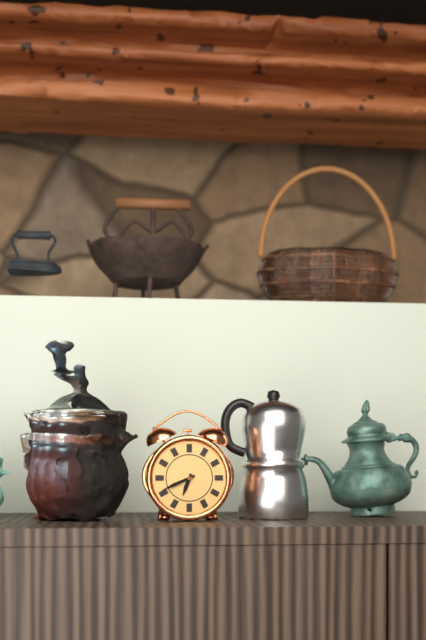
6:41
